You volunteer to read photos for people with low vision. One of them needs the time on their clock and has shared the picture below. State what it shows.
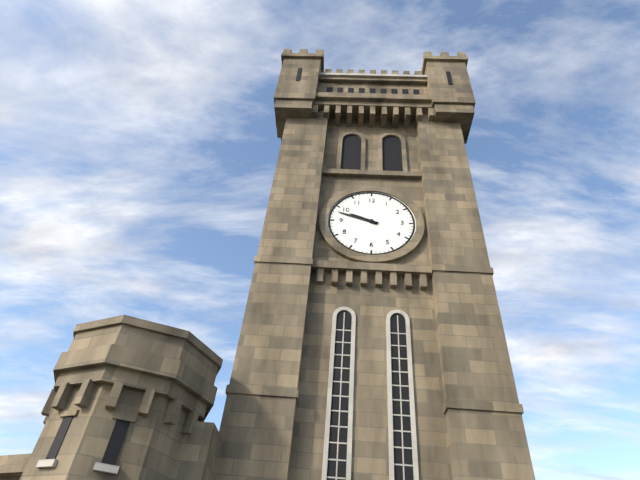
9:48
